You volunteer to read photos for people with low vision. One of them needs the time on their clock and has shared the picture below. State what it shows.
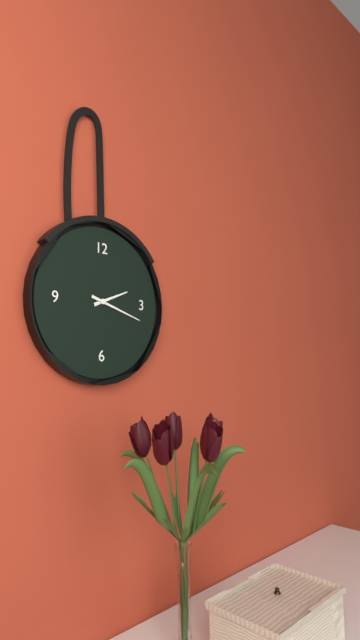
2:18
